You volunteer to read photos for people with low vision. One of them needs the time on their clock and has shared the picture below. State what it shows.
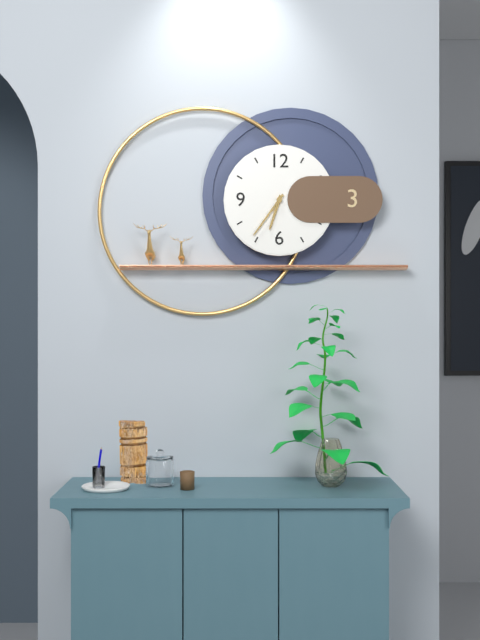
6:36
